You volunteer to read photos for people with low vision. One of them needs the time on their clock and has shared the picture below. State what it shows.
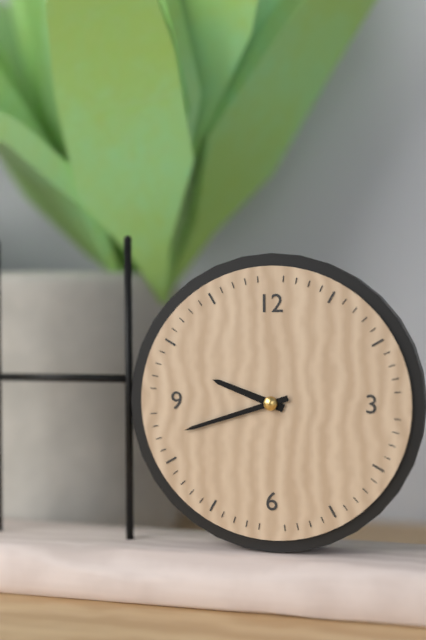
9:42
